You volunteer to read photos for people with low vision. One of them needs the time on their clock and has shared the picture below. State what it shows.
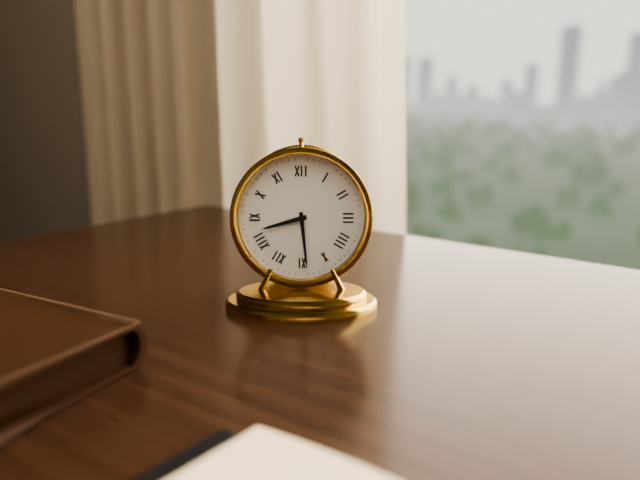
8:29
